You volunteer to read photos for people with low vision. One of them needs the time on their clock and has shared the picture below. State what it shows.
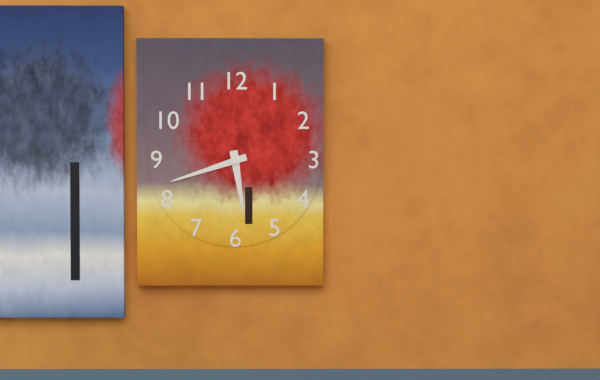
5:42
